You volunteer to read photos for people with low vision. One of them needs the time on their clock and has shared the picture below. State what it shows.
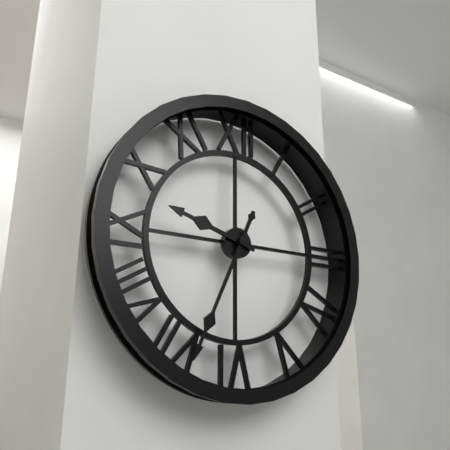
9:34
